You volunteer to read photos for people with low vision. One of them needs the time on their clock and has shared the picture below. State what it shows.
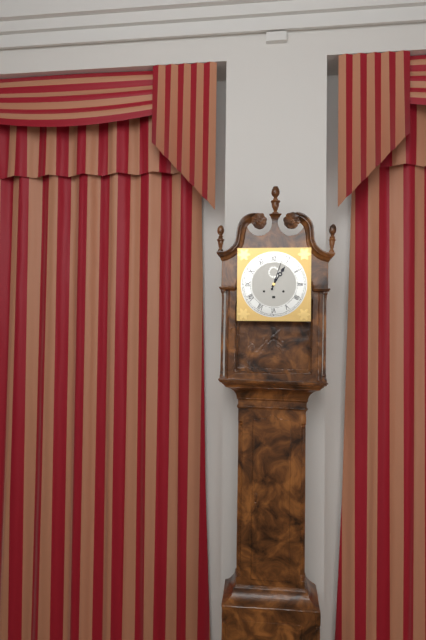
1:03
